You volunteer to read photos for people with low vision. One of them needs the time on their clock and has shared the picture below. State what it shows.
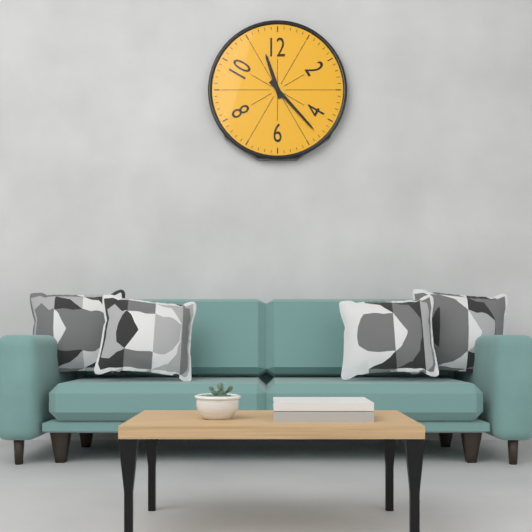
11:23
